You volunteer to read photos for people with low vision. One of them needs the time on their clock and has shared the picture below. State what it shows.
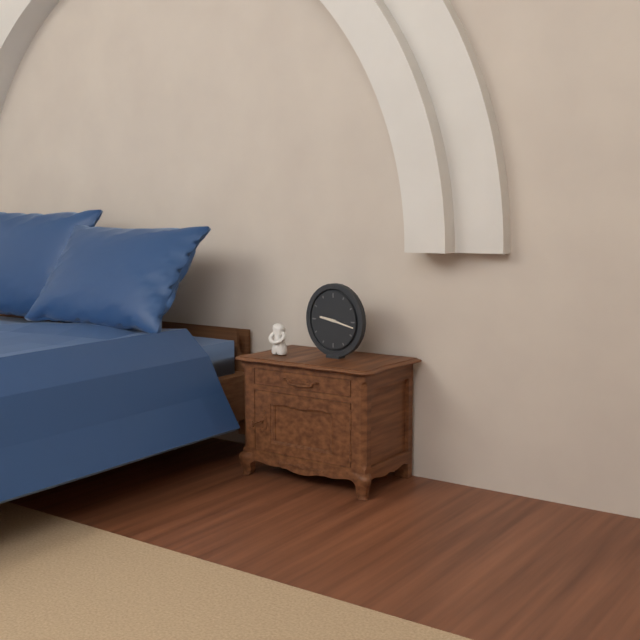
9:17
